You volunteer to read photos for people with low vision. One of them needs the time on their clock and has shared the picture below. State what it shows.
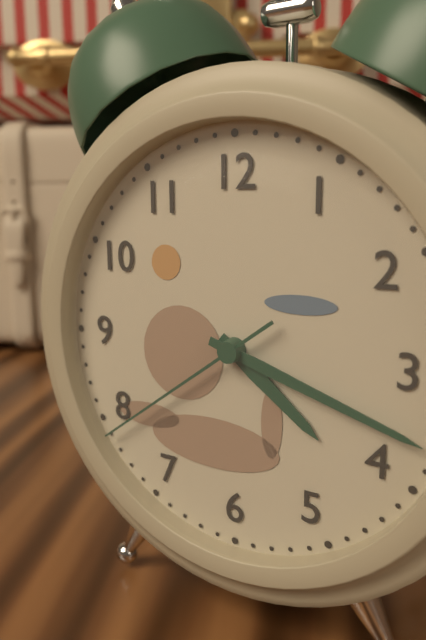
4:18:39
